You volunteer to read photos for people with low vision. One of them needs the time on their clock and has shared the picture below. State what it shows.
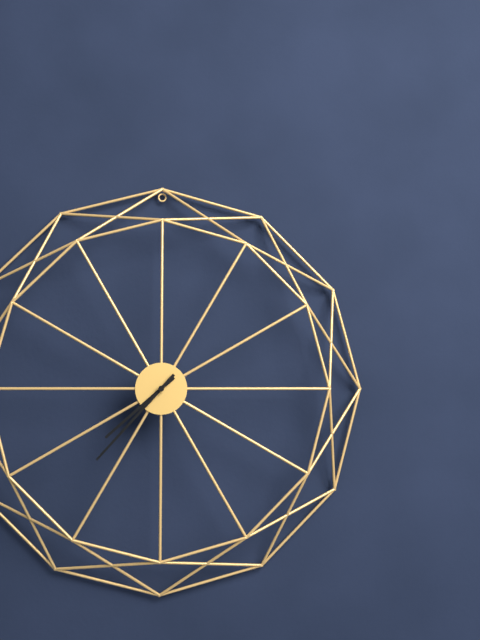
7:37
